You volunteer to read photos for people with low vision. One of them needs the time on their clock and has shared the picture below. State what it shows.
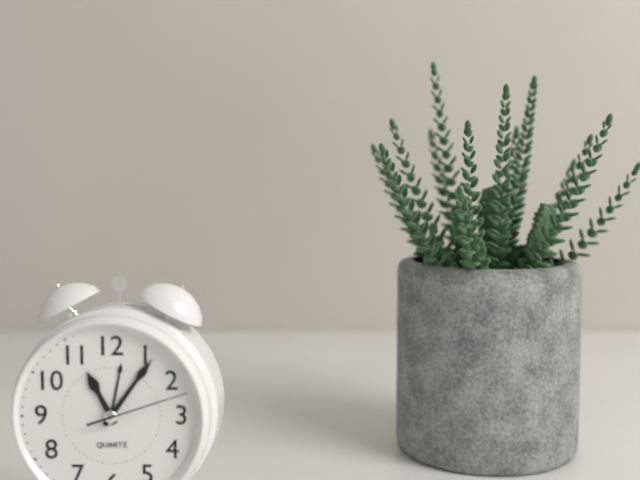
11:06:12
